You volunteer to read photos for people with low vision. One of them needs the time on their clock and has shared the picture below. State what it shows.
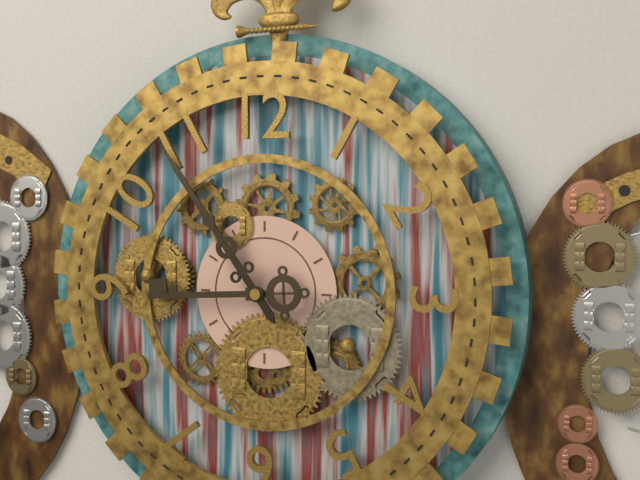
8:54
